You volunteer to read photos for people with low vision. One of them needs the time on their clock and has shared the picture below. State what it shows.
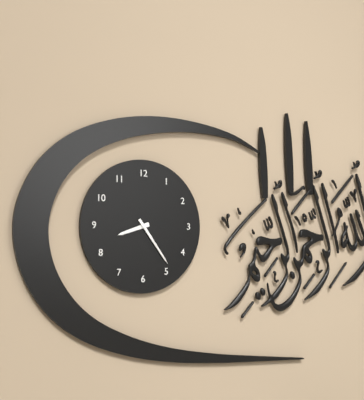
8:24
